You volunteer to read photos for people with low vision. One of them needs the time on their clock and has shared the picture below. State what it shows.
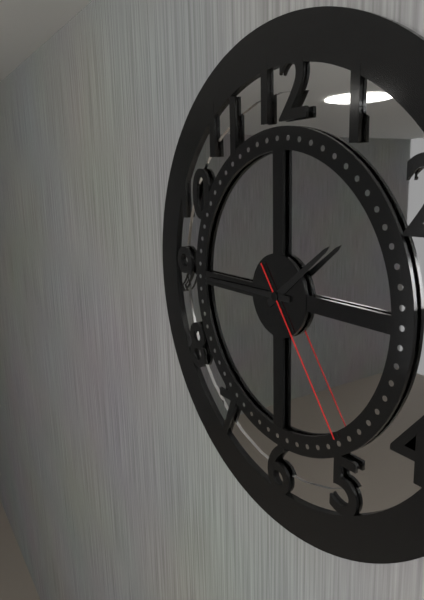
1:45:24
